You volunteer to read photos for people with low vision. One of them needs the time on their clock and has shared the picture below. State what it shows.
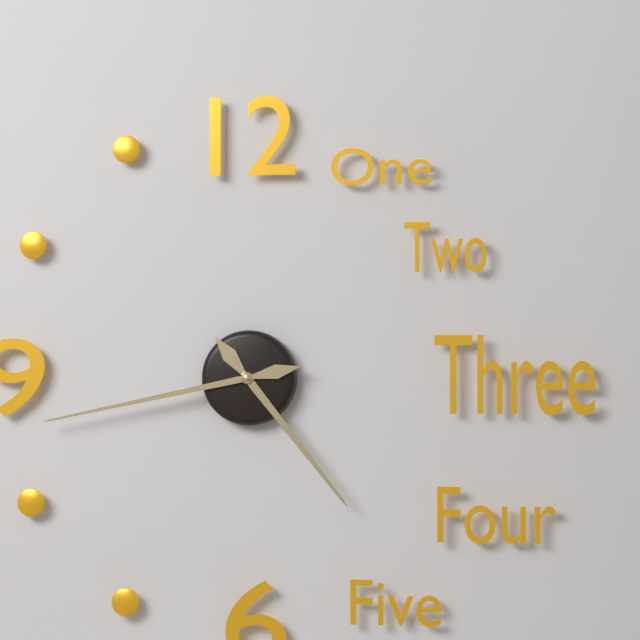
4:43
